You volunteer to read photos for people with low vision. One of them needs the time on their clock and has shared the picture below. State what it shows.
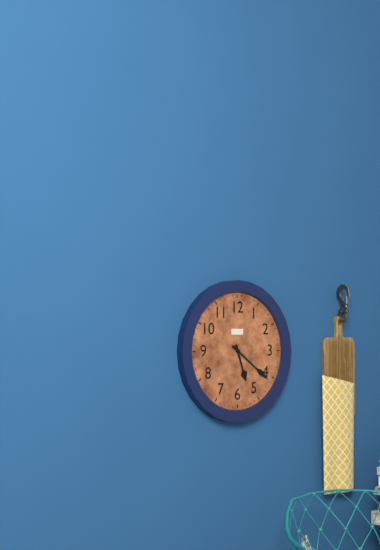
5:21
